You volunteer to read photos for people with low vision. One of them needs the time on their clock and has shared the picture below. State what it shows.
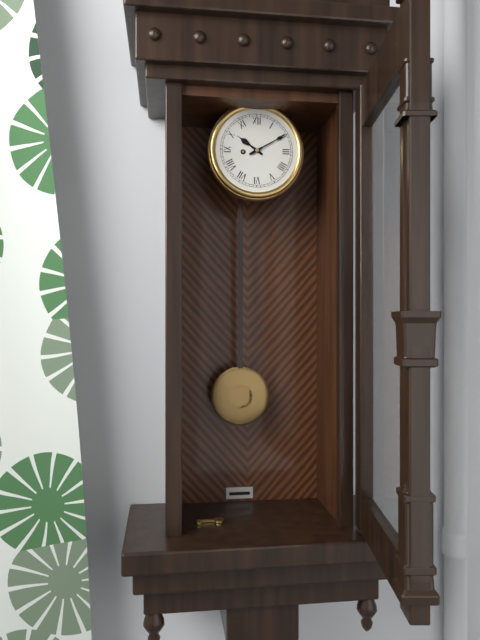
10:10
